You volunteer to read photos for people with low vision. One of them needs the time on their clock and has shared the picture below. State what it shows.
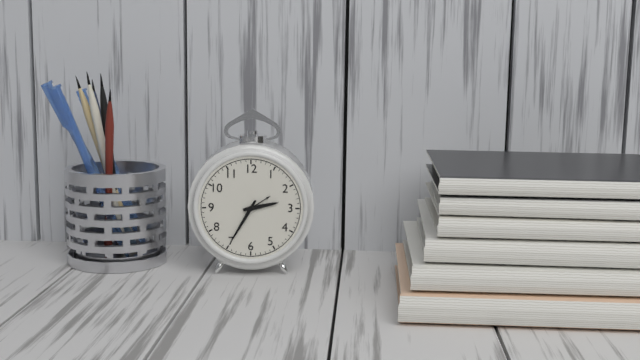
2:35
